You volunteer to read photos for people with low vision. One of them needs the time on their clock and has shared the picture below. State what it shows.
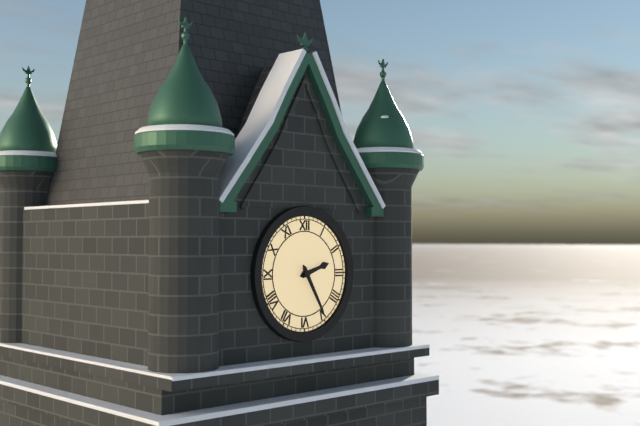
2:25
